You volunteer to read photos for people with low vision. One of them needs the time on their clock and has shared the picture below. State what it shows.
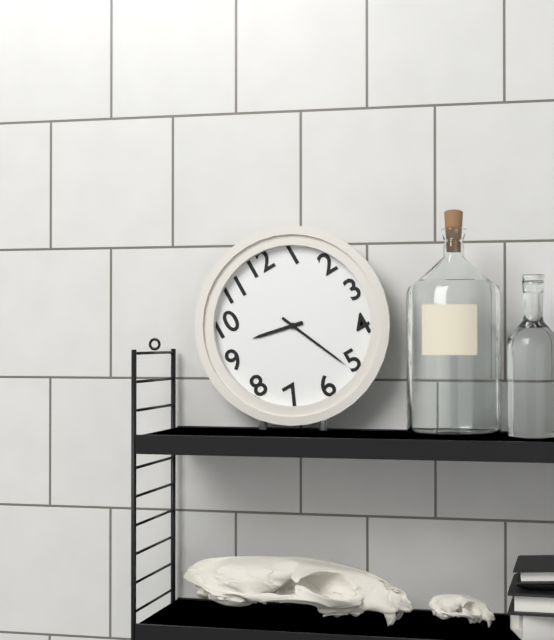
9:26
